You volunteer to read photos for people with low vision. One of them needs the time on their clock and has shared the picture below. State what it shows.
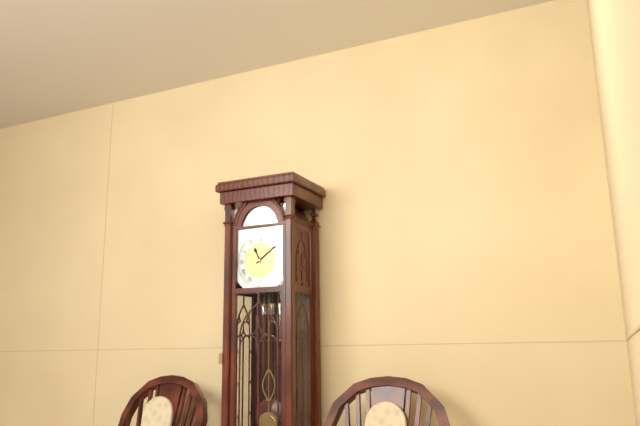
11:09
